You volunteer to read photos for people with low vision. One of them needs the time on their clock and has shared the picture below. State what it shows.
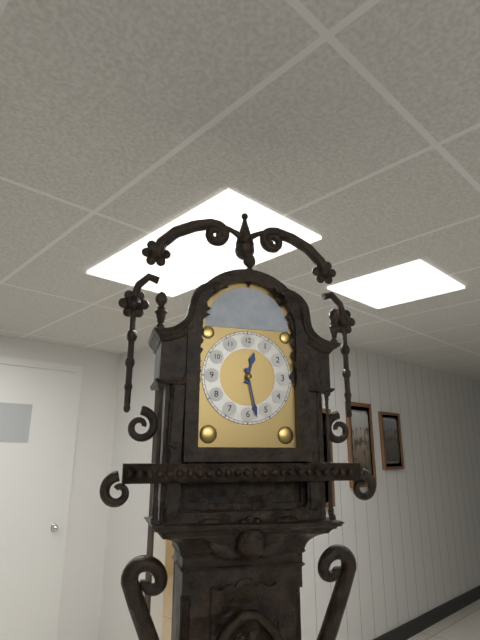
12:28
